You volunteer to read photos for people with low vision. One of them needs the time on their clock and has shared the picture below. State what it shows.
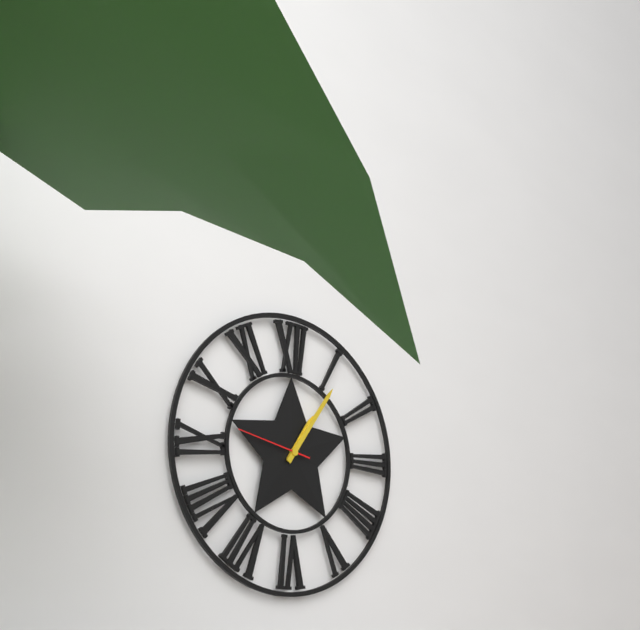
1:06:47
